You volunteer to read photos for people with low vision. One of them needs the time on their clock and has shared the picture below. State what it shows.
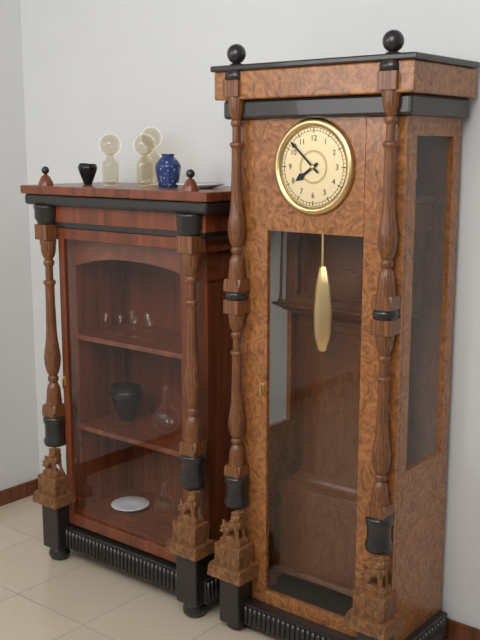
7:52
